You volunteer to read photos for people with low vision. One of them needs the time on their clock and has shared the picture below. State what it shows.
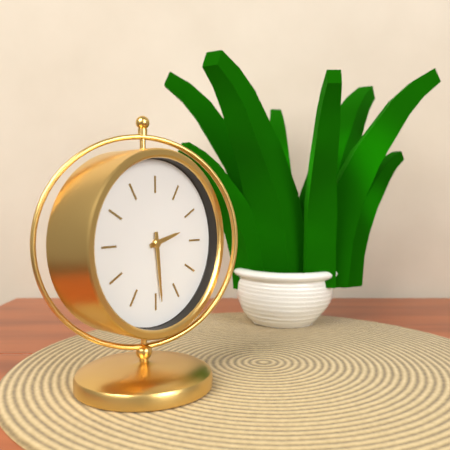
2:29
